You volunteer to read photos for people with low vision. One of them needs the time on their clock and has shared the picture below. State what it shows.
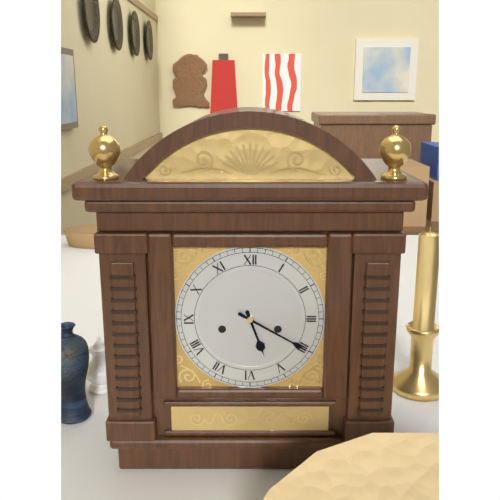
5:20
